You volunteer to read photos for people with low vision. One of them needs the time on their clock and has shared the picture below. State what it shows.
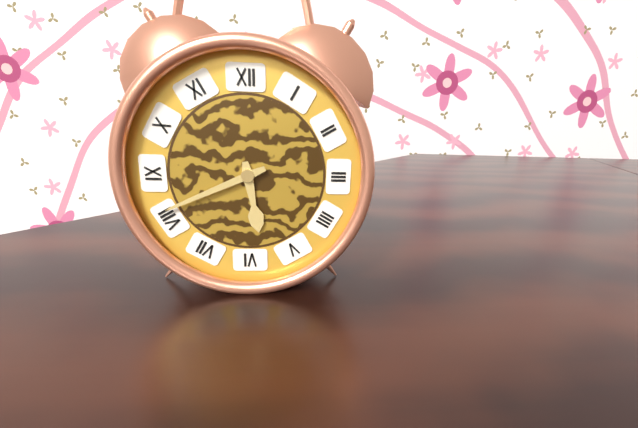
5:41
